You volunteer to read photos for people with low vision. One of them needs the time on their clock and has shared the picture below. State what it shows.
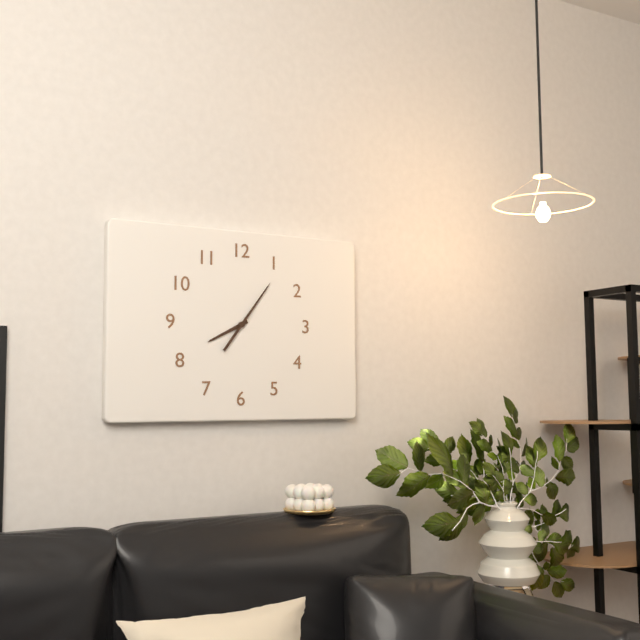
8:06
